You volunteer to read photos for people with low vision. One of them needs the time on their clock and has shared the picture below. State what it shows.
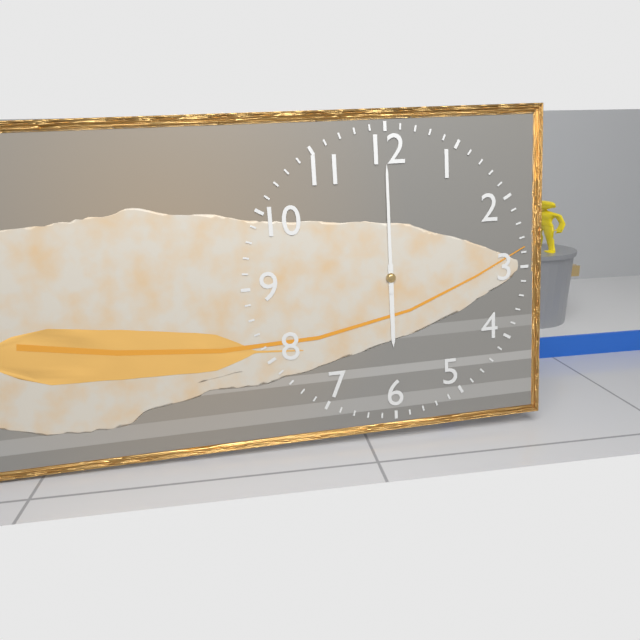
6:00
